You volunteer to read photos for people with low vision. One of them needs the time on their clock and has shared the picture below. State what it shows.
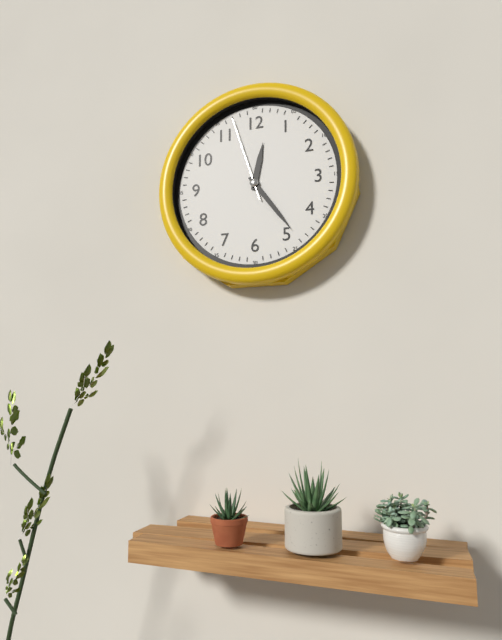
12:24:57
